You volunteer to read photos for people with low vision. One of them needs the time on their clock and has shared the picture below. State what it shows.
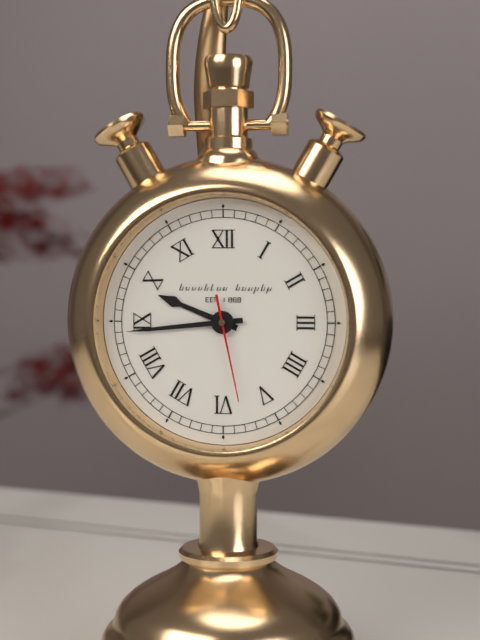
9:44:28
